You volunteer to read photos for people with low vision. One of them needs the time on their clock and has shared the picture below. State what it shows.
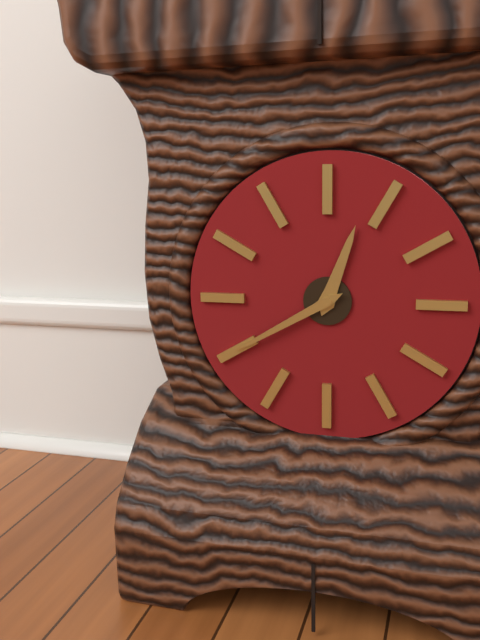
12:40
